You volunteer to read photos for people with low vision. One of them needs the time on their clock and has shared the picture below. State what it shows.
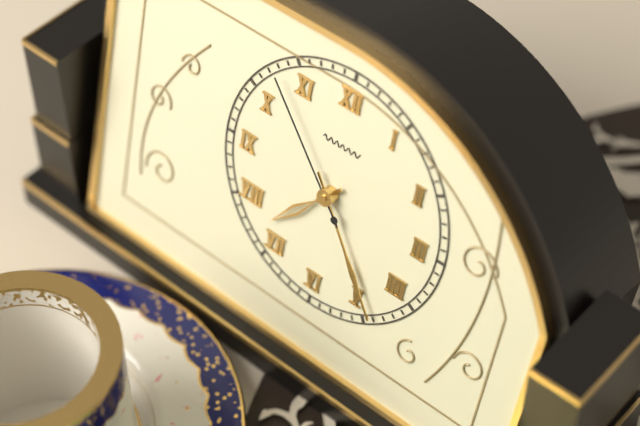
7:24:53
